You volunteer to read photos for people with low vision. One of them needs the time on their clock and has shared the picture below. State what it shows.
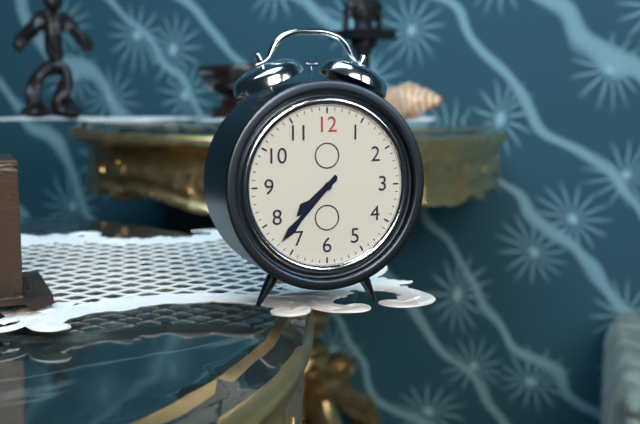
7:37
